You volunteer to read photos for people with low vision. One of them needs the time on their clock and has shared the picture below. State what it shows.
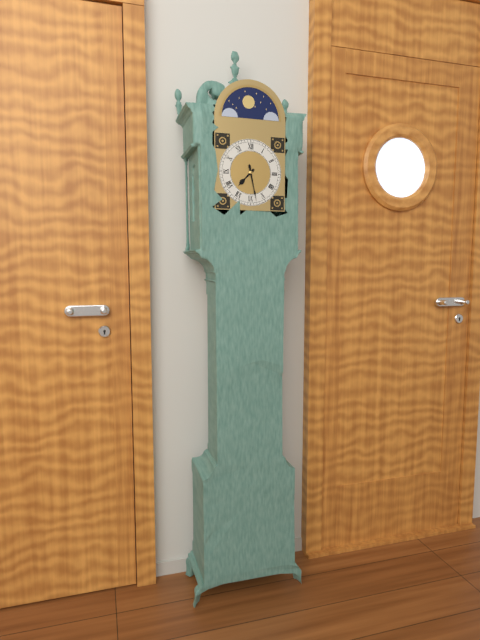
7:28
